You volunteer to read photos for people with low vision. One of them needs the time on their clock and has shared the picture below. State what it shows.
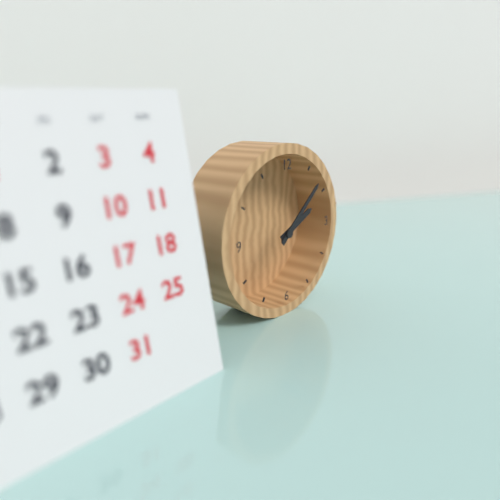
2:08
